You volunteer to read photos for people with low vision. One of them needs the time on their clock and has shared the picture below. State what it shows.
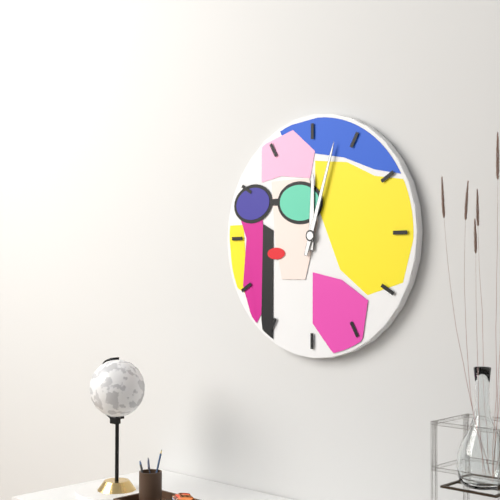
12:03
